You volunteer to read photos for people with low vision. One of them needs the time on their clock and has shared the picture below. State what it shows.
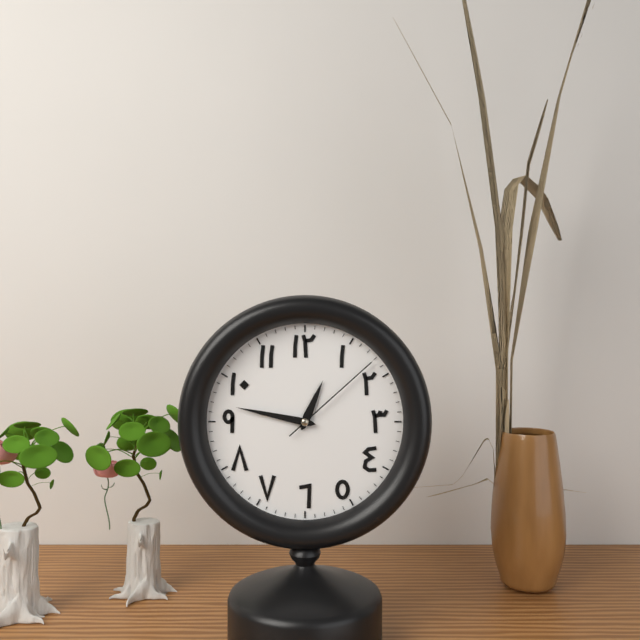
12:47:08
